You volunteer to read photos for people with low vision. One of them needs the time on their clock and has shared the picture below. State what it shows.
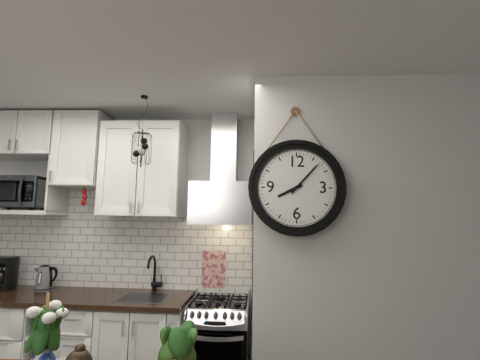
8:07
